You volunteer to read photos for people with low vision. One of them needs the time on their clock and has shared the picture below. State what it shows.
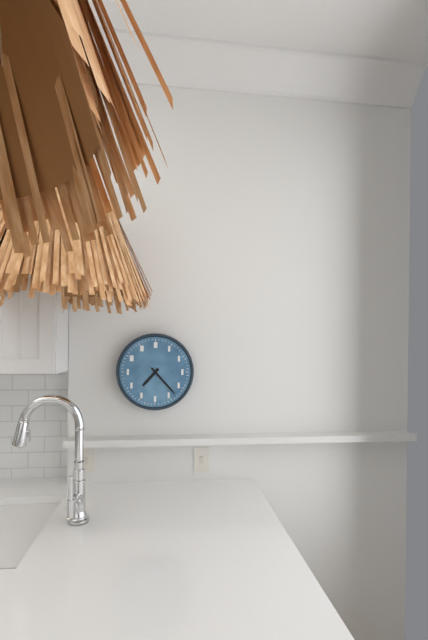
7:23
